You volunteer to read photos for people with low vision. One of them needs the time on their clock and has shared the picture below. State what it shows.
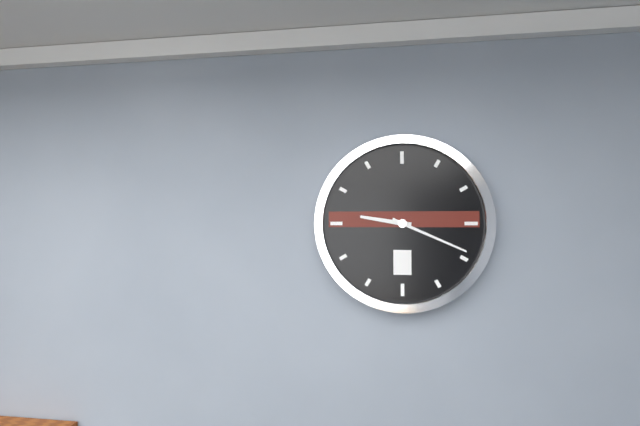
9:19
